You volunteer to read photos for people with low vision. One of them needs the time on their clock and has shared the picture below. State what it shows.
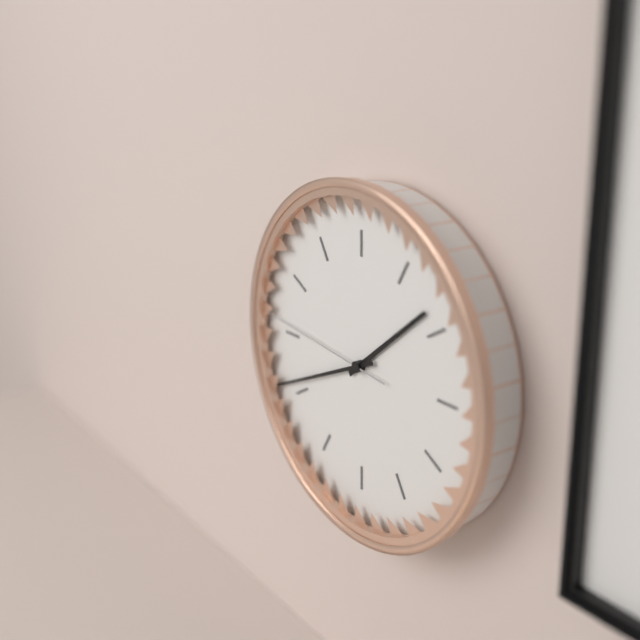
1:41:46
